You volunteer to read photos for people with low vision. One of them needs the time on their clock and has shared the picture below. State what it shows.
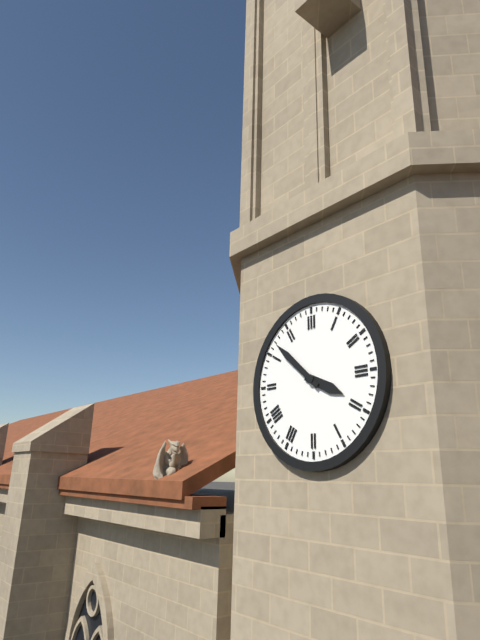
3:52
